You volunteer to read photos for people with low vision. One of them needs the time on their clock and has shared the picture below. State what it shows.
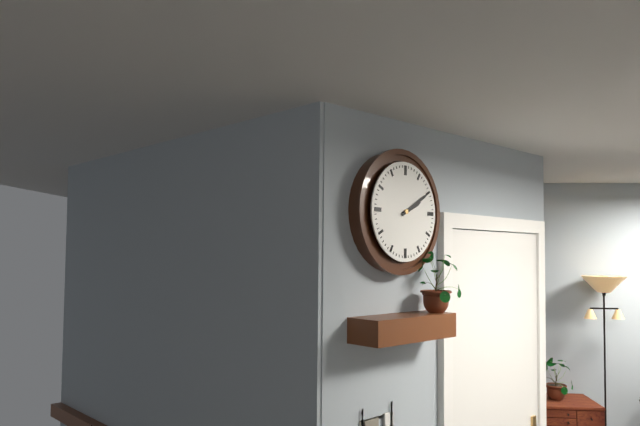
2:10
